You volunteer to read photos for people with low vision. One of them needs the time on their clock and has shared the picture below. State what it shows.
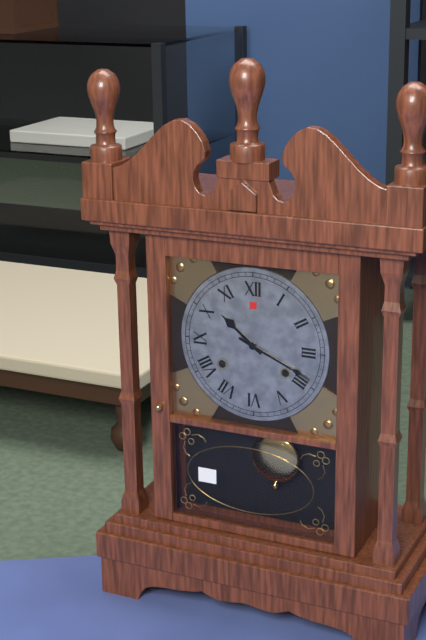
10:19
